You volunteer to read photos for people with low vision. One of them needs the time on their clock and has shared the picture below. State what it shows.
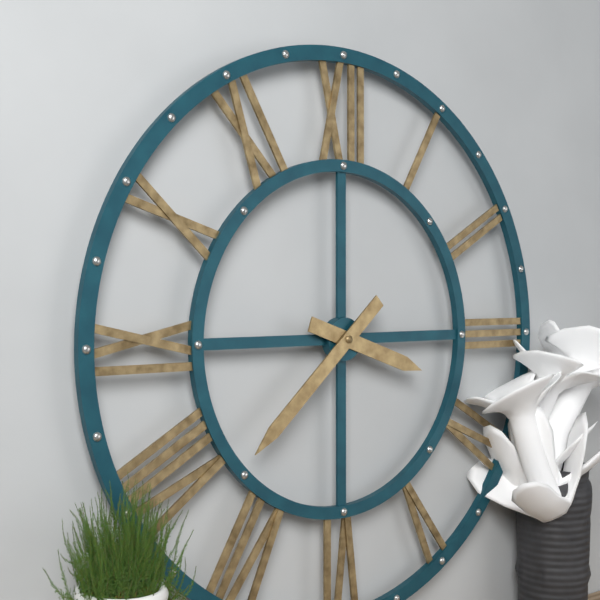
3:38
